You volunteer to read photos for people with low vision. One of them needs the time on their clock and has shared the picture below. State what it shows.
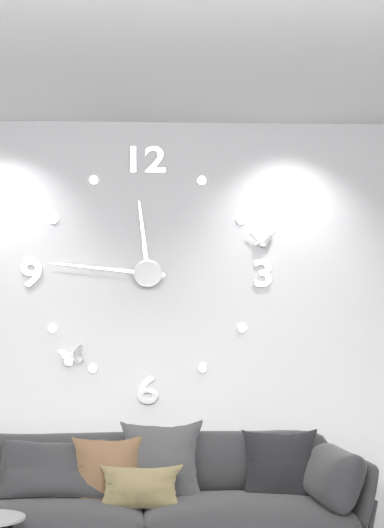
11:46
